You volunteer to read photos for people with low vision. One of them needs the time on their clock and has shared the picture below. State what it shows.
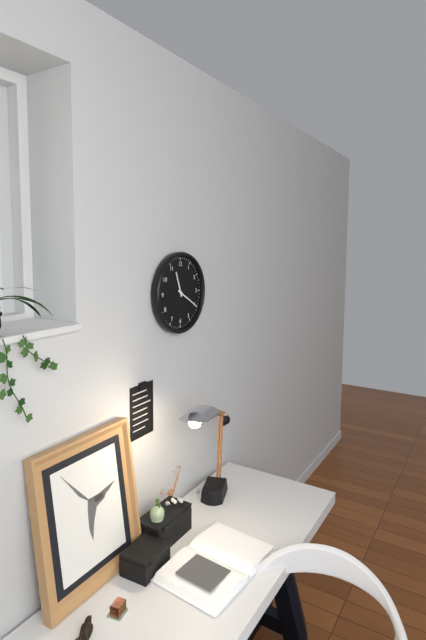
11:20
